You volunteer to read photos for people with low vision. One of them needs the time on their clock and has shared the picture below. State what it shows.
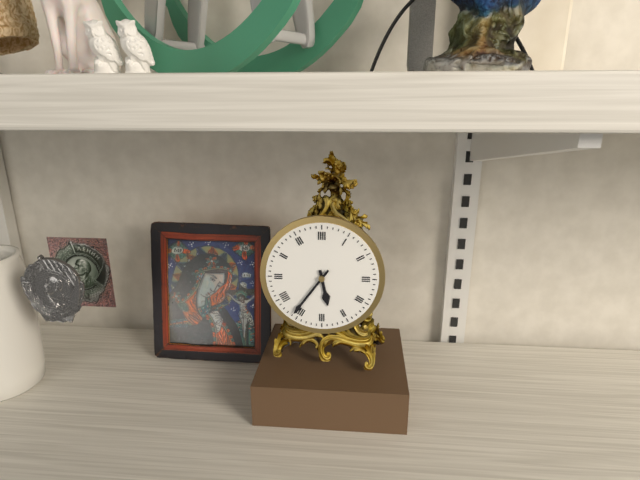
5:36
